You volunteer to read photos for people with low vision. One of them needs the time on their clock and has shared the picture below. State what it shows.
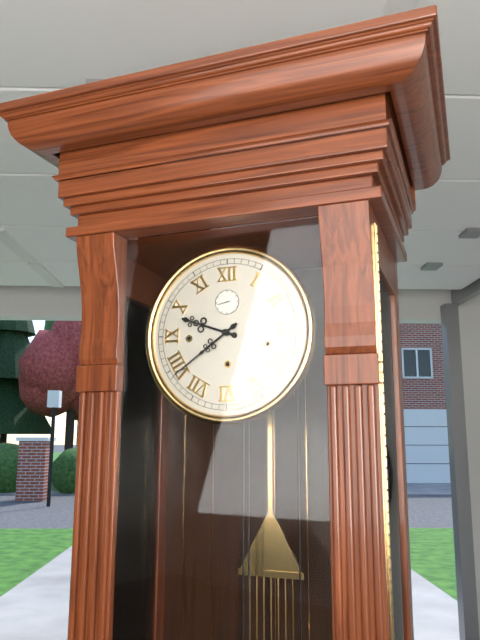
9:39
